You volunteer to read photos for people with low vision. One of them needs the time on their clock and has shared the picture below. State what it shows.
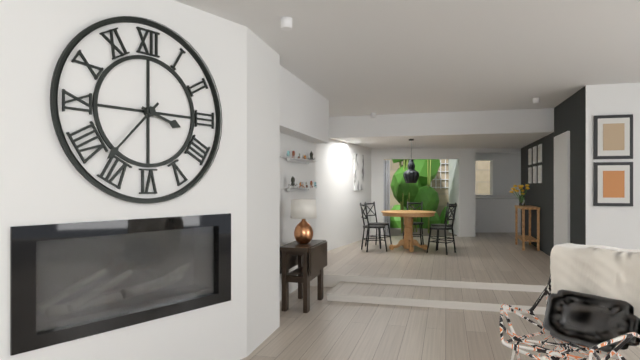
3:37
